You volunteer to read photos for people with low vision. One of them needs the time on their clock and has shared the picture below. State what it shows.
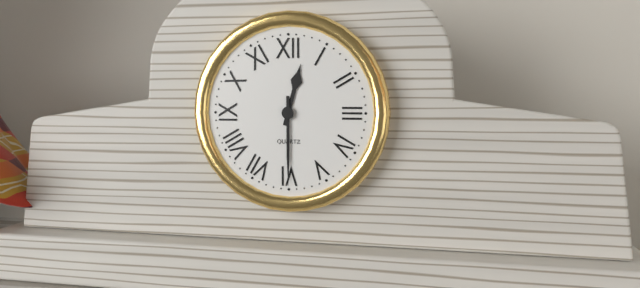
12:30
